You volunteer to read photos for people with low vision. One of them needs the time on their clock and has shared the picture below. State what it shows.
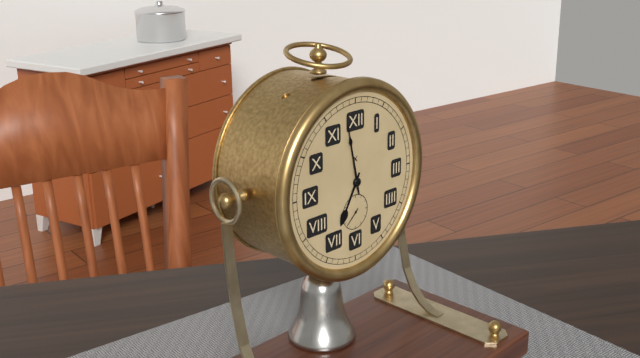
6:58
